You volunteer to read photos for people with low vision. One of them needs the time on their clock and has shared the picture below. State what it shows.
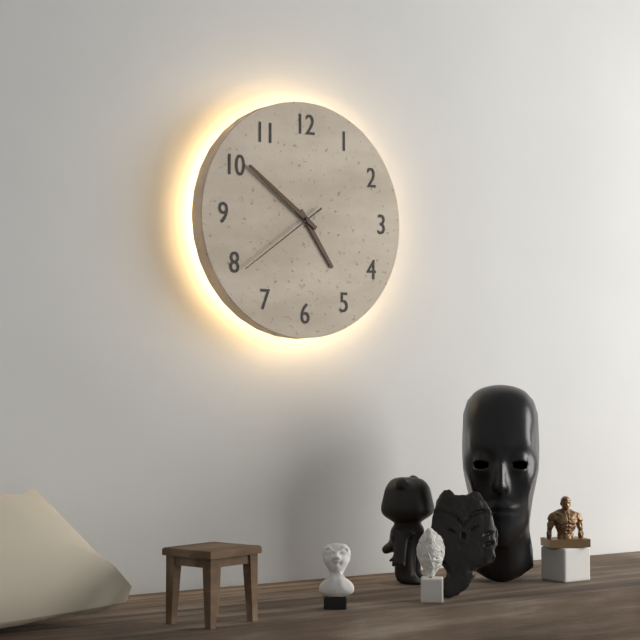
4:51:39
